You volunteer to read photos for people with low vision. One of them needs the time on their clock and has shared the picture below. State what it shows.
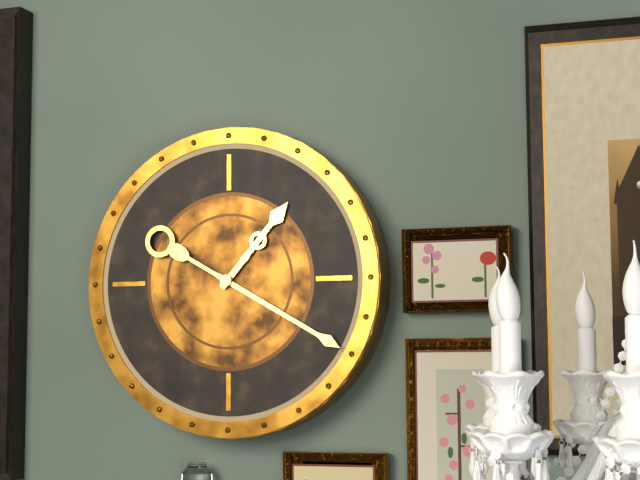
1:20
